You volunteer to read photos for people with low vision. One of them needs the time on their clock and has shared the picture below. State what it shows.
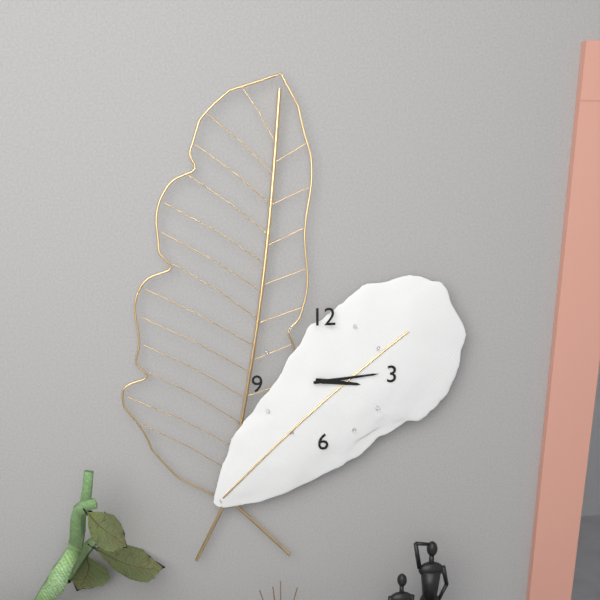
3:14
